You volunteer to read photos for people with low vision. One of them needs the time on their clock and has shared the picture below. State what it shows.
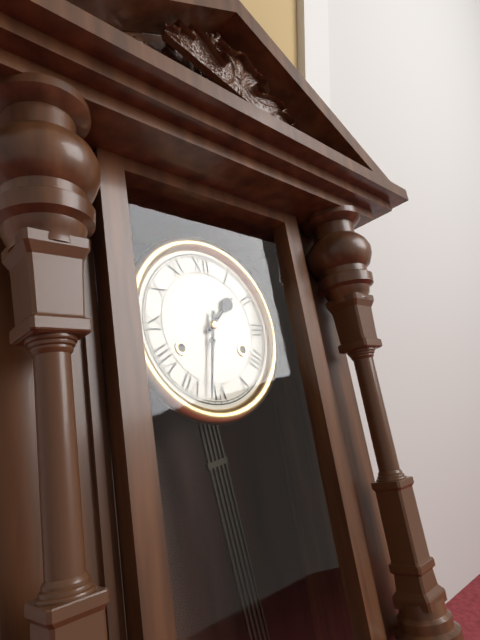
1:32
